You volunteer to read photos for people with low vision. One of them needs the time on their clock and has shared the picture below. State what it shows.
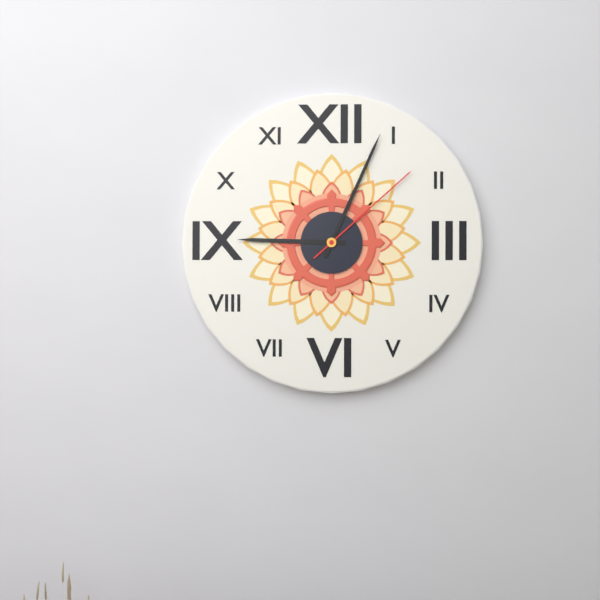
9:04:08
